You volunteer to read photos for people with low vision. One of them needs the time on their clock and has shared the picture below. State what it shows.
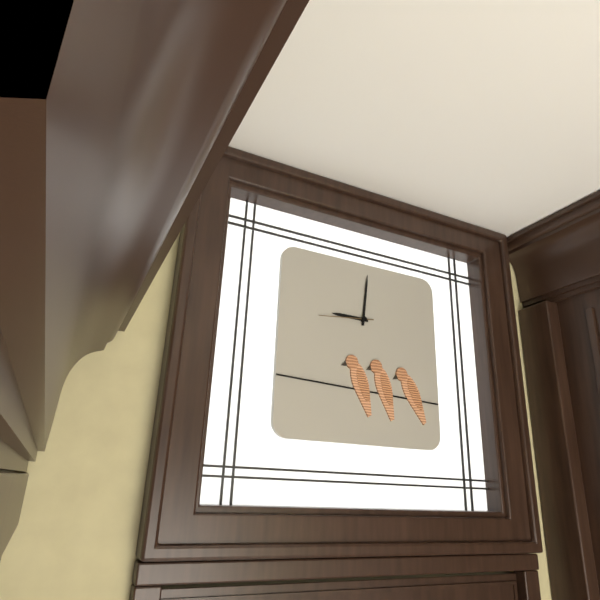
9:01:44
